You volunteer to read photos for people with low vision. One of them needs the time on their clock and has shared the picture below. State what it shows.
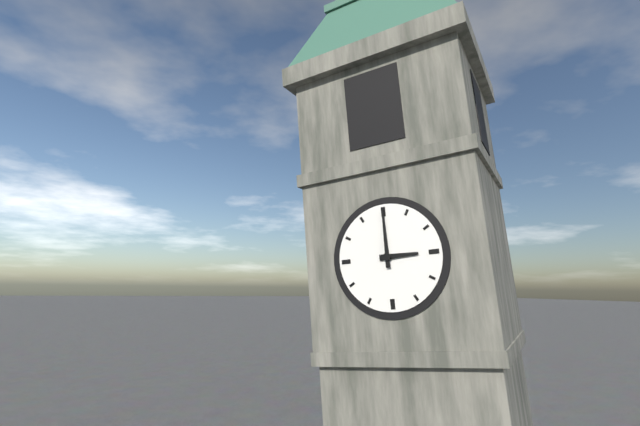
3:00
